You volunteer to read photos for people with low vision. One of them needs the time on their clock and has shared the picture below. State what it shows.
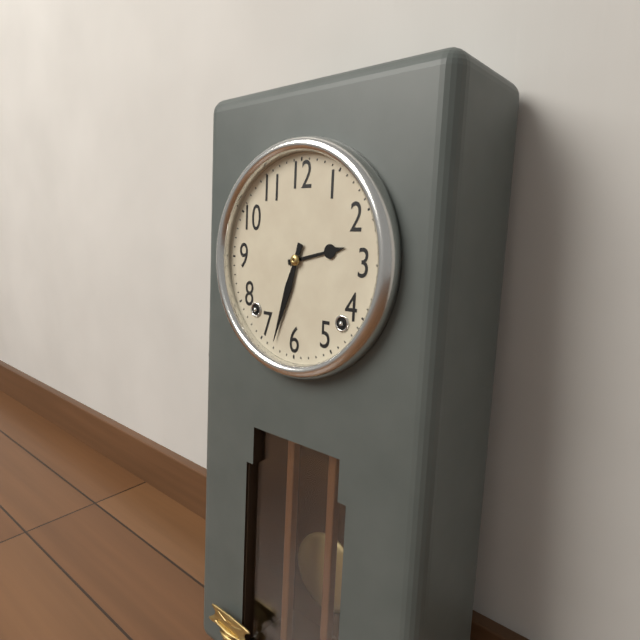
2:33
